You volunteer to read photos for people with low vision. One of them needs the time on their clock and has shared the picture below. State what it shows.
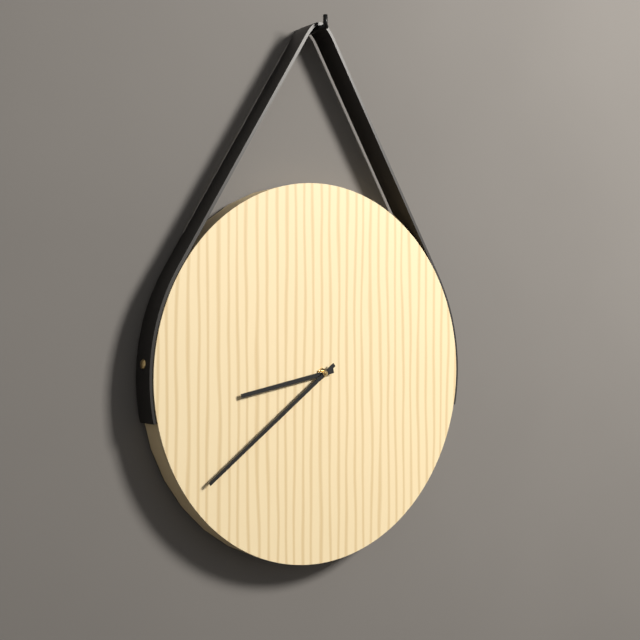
8:39
